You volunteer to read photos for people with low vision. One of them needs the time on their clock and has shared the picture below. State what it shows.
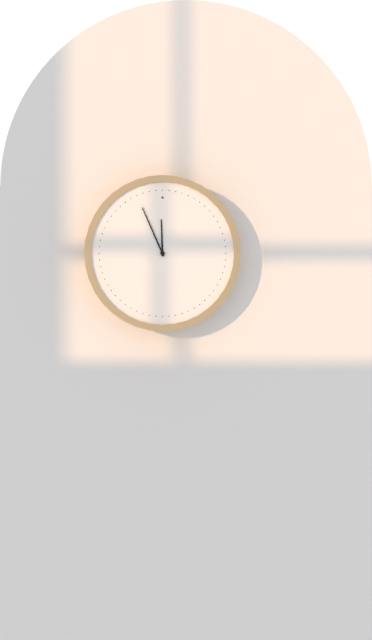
11:56
